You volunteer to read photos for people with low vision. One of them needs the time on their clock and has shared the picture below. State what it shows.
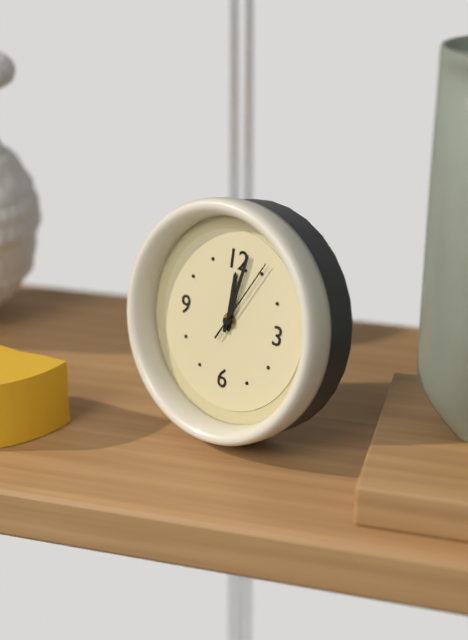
12:02:05
